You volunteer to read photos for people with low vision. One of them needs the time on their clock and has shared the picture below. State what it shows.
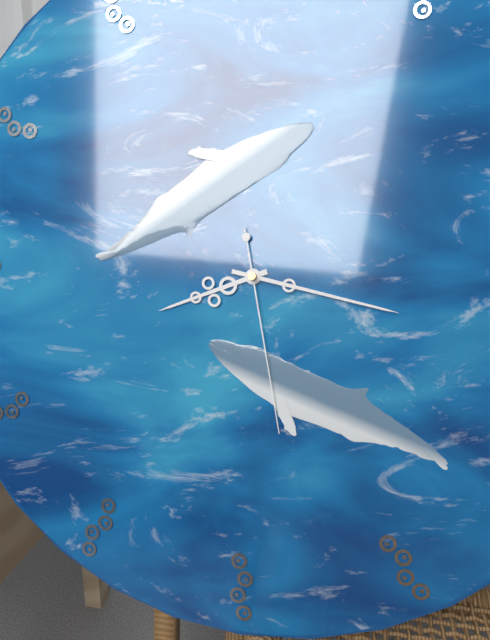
8:17:28
